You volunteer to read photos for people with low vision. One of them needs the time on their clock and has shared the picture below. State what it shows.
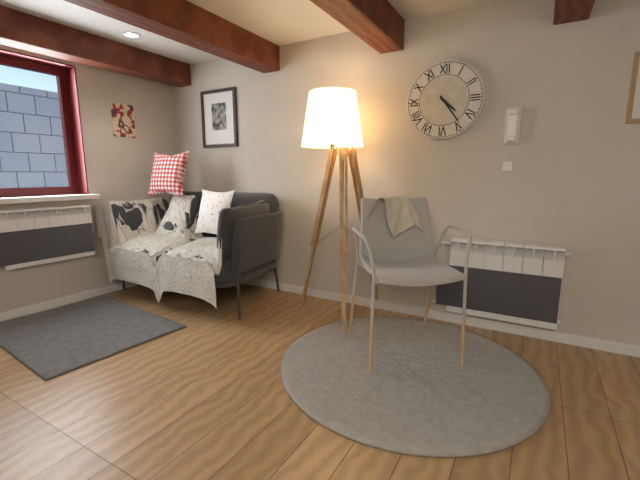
4:24
